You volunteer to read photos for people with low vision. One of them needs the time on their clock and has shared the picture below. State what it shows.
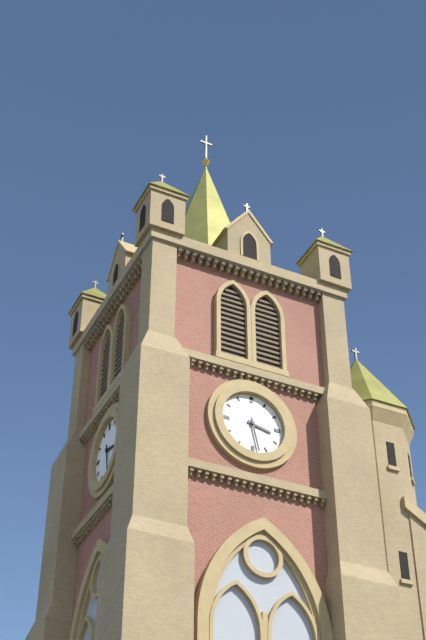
3:28
